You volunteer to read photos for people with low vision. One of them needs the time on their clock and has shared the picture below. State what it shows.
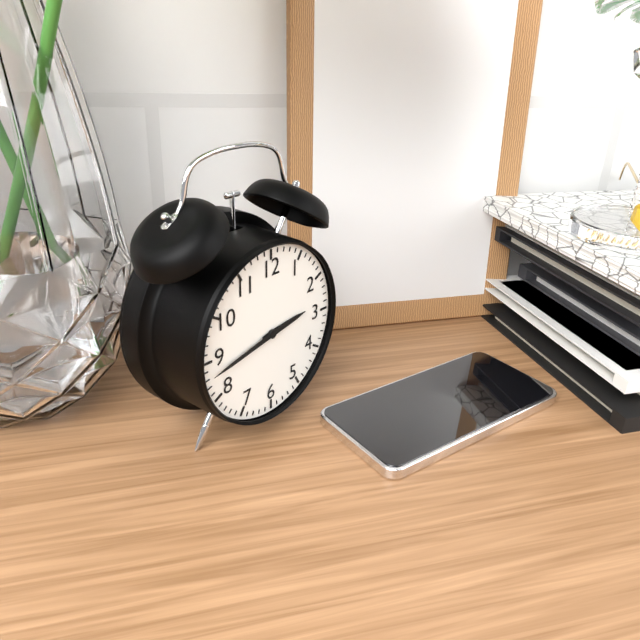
2:43
